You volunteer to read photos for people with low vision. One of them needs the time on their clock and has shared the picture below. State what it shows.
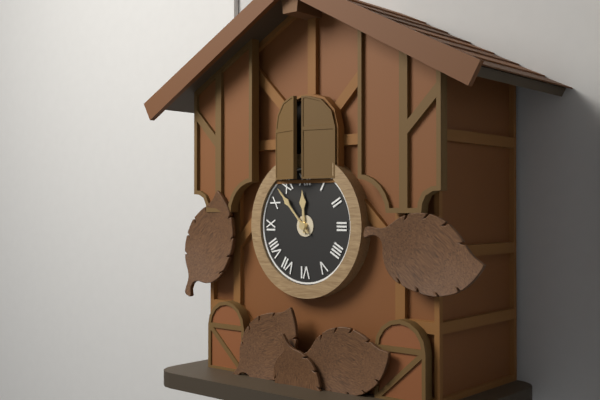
11:53
